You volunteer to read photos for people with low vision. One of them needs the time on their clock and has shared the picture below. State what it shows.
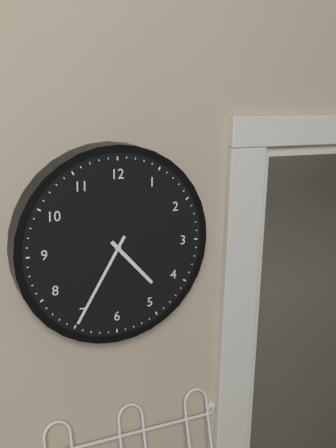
4:35
